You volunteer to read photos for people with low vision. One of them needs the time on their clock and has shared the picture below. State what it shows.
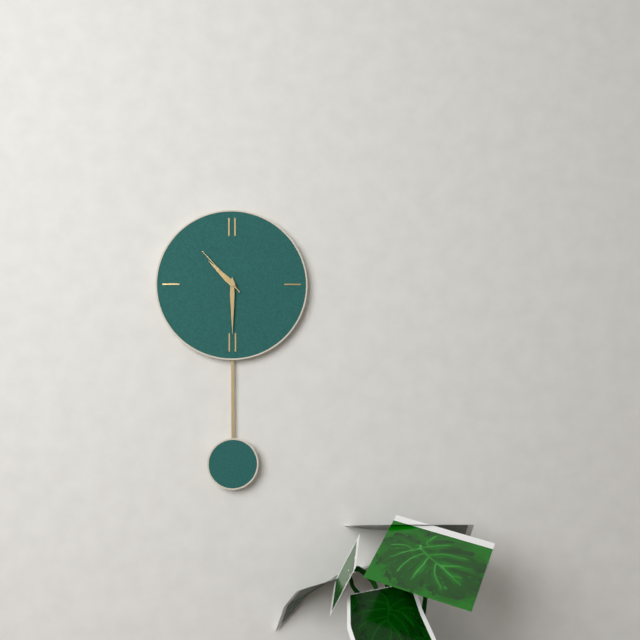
10:30:53
